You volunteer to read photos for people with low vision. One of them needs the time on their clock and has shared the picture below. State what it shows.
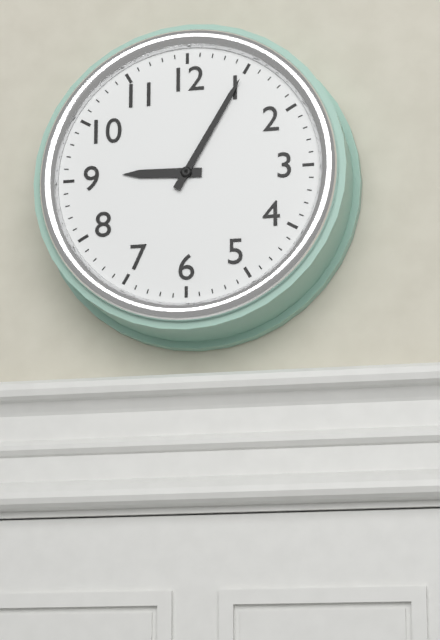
9:05
